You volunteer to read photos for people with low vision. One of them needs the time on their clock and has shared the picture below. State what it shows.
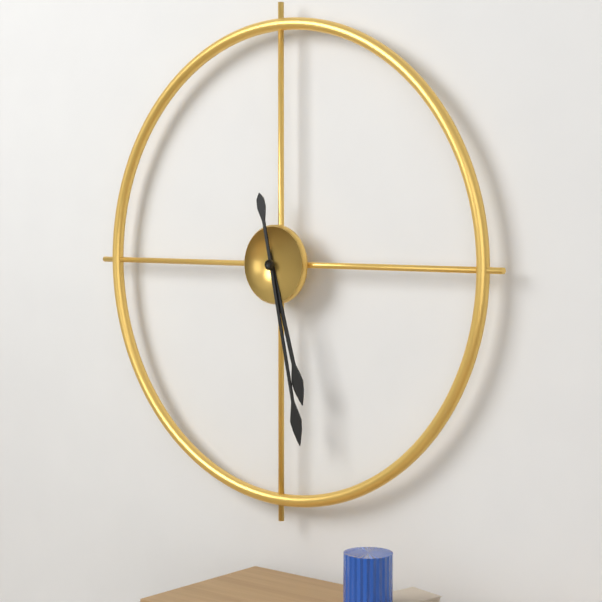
5:28
